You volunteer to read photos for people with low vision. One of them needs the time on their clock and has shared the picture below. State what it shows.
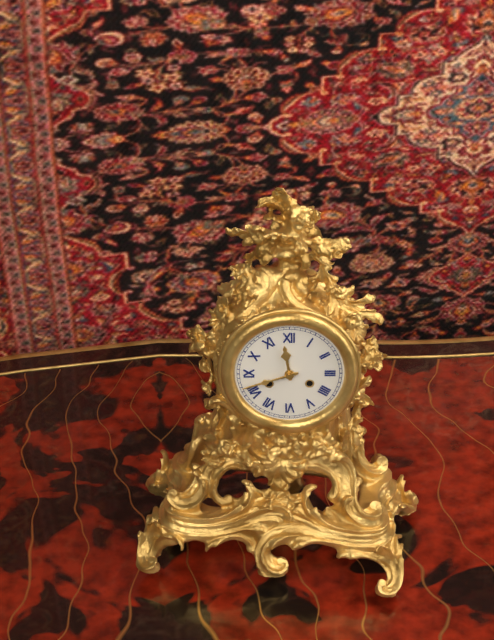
11:42
